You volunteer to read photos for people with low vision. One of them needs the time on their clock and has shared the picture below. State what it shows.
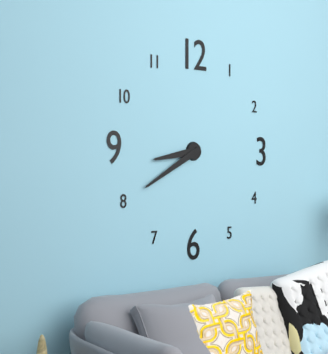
8:40
